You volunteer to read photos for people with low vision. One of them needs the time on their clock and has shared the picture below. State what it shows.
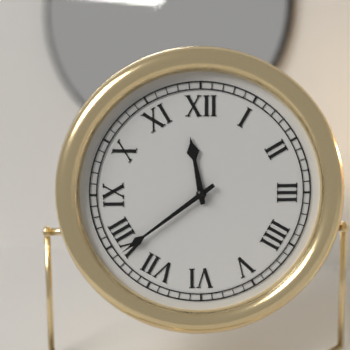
11:39
